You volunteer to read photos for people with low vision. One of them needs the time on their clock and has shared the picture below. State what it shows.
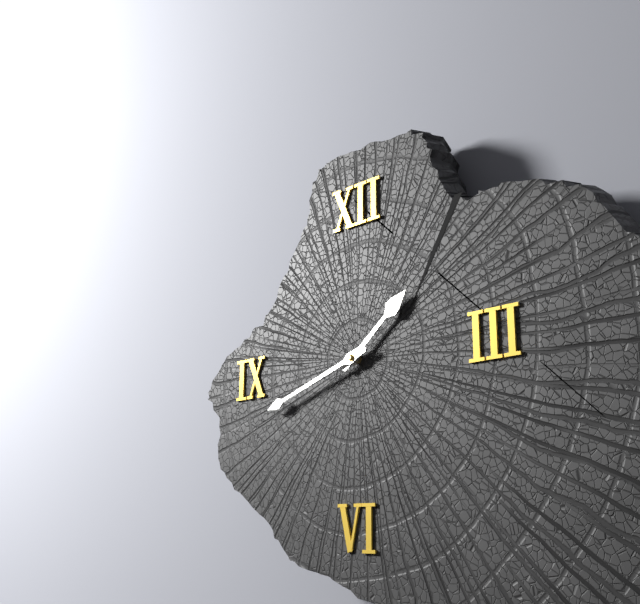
1:42
